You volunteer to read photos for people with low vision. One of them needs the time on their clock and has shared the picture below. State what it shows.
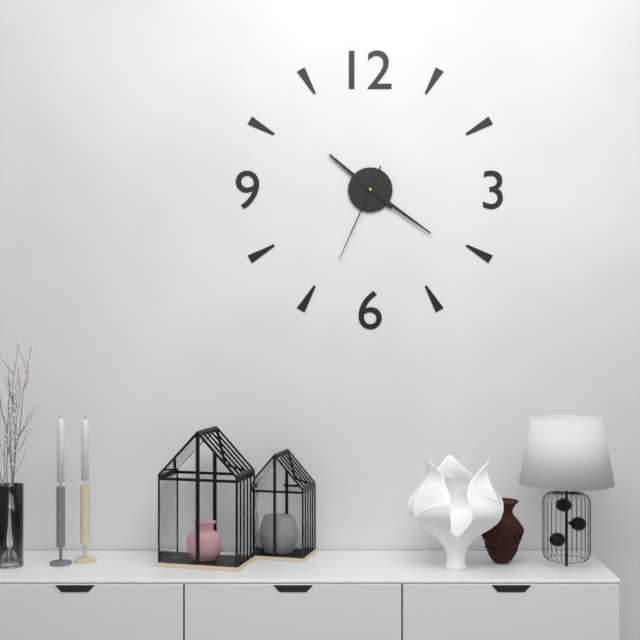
10:21:34
